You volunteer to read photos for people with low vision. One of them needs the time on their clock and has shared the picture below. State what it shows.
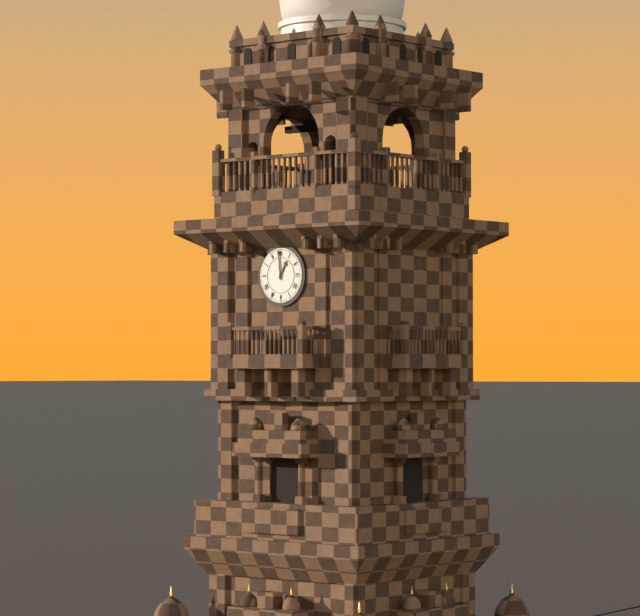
12:59
